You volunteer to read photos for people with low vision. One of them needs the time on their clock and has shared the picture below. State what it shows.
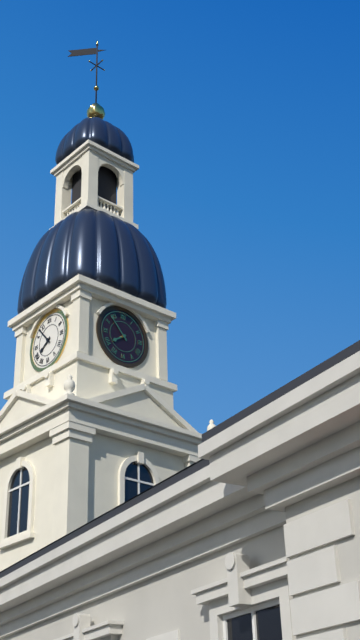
7:53
